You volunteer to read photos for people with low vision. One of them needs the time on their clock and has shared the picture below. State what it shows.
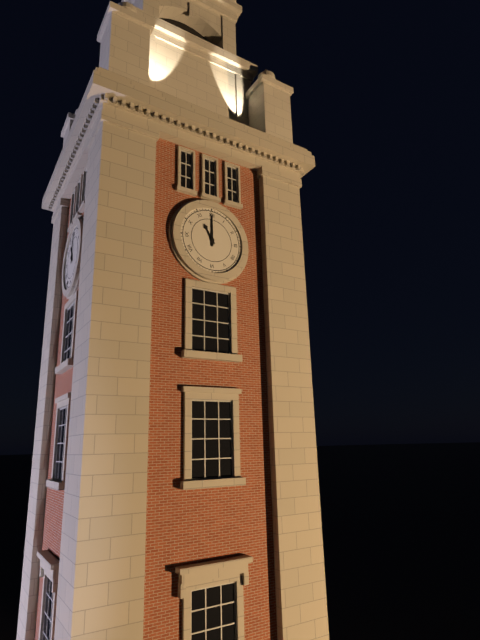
11:00
